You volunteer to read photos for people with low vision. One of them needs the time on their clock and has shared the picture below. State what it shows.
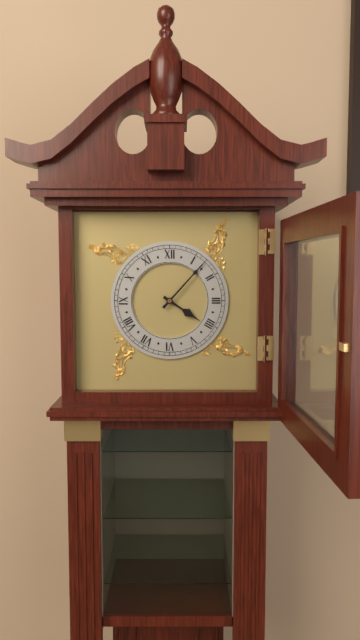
4:07
